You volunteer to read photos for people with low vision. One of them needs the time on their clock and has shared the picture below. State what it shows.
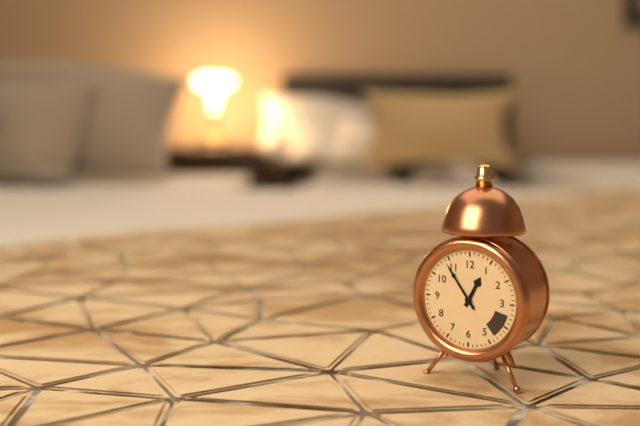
12:54
